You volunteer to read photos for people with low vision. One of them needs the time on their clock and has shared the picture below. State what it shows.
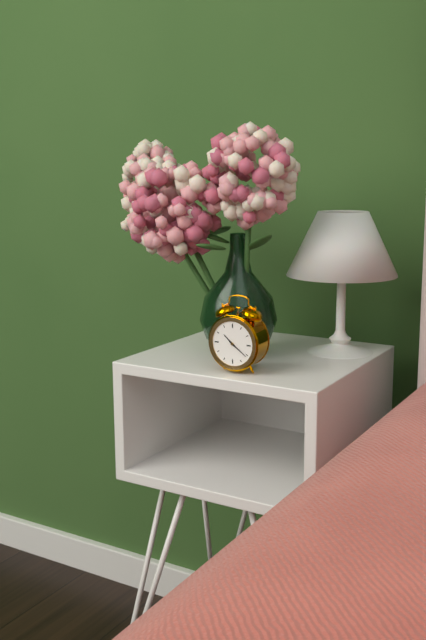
10:21
